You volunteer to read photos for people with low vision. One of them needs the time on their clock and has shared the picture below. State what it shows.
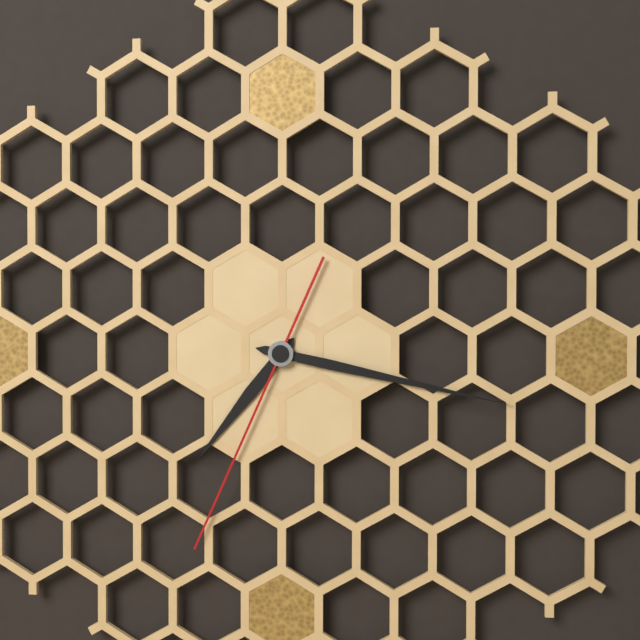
7:17:34
